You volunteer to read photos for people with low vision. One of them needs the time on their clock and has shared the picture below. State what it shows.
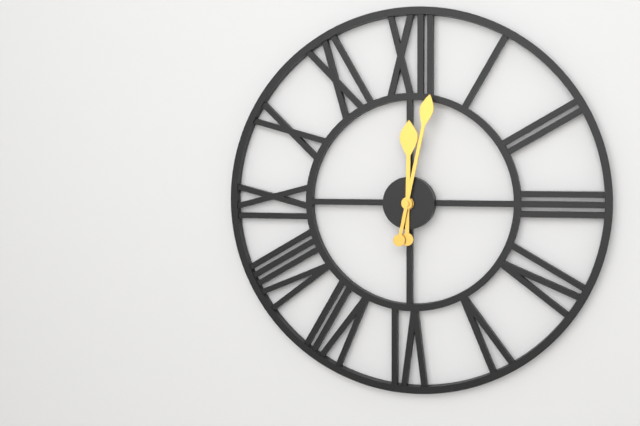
12:02
